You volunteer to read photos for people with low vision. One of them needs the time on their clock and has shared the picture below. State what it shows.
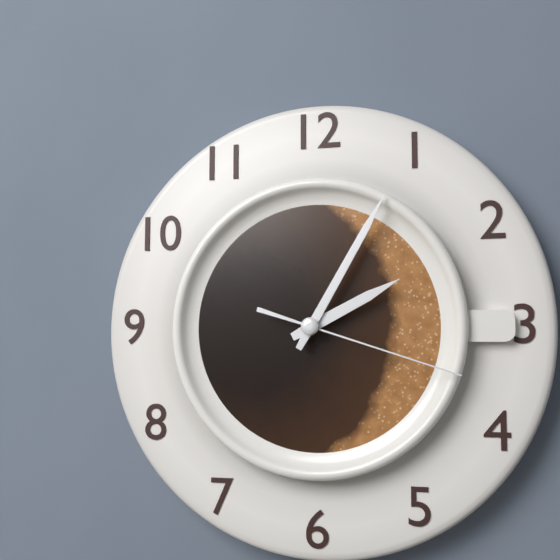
2:05:18
